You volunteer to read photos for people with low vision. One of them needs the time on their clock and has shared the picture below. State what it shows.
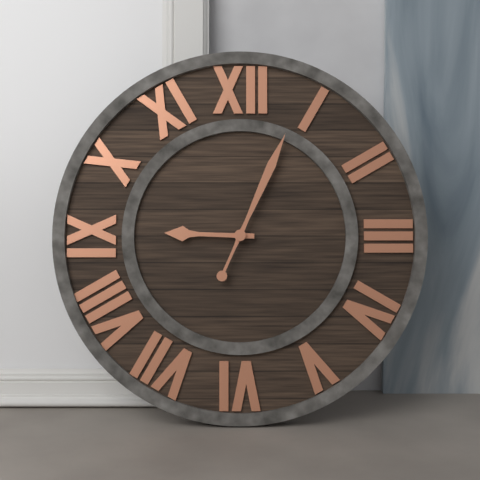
9:04
